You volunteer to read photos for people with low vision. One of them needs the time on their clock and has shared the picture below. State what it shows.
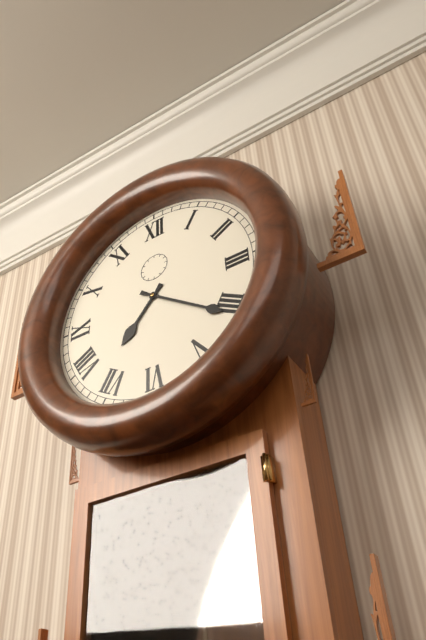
7:21
